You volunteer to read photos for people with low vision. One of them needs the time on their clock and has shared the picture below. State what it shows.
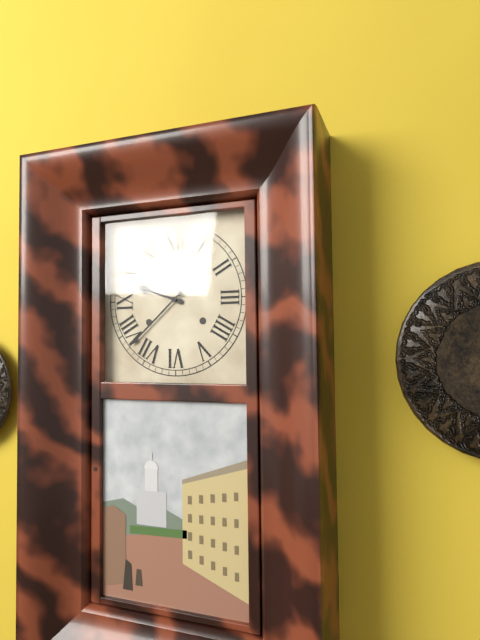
9:38
